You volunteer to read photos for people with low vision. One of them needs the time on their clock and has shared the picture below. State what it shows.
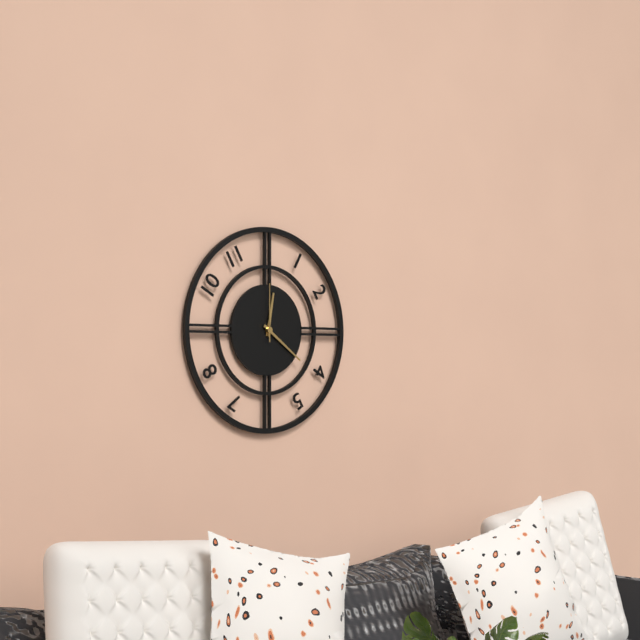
12:21:00
